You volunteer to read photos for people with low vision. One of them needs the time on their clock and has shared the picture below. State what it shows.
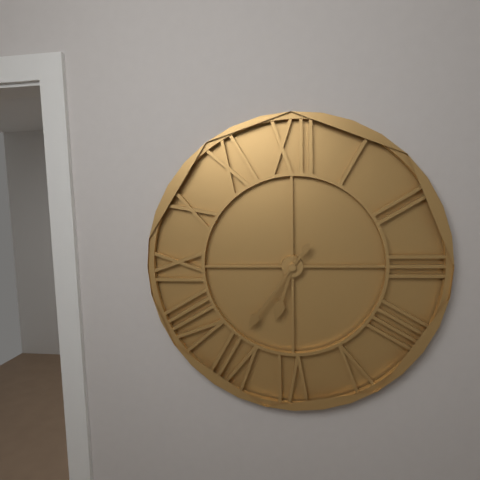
6:36
